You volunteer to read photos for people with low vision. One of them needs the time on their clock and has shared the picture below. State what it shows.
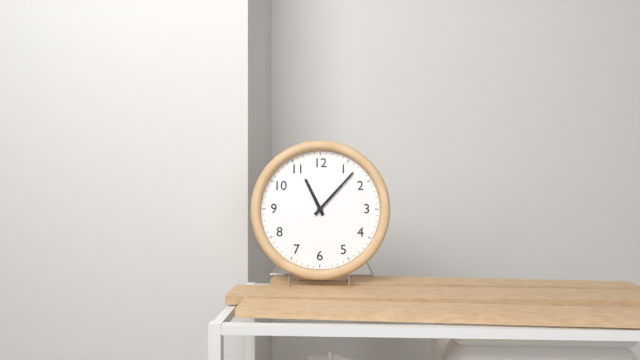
11:07
